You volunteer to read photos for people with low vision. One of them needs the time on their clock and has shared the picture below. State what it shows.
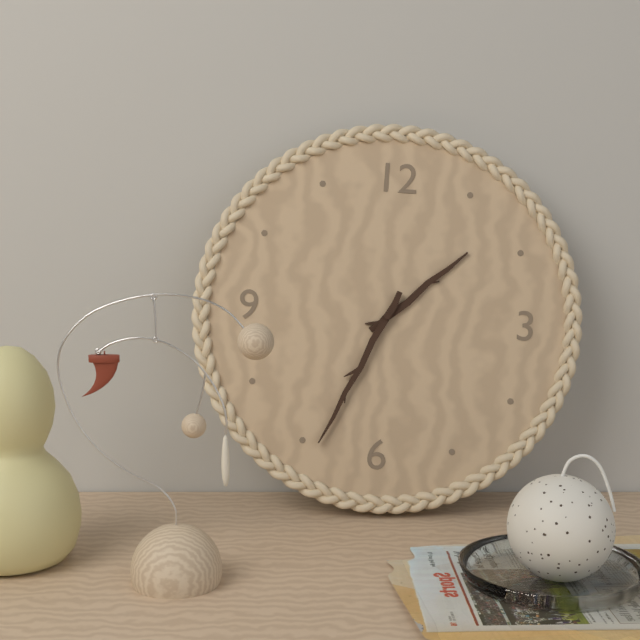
1:34
